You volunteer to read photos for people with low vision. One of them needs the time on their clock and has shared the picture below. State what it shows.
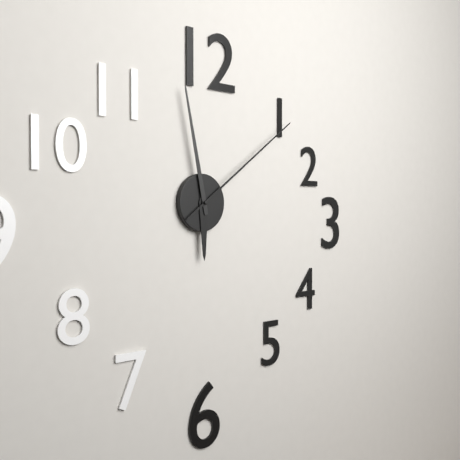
5:58:09
